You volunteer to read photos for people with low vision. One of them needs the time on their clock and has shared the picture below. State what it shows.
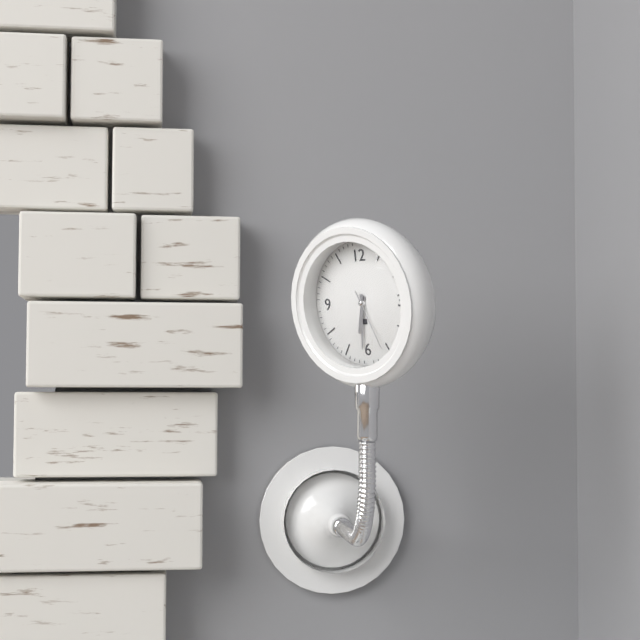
6:31:26
